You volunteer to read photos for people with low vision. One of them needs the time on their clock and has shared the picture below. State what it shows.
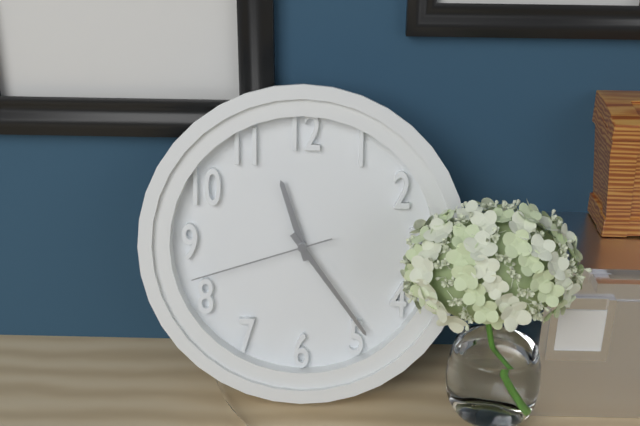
11:24:42
